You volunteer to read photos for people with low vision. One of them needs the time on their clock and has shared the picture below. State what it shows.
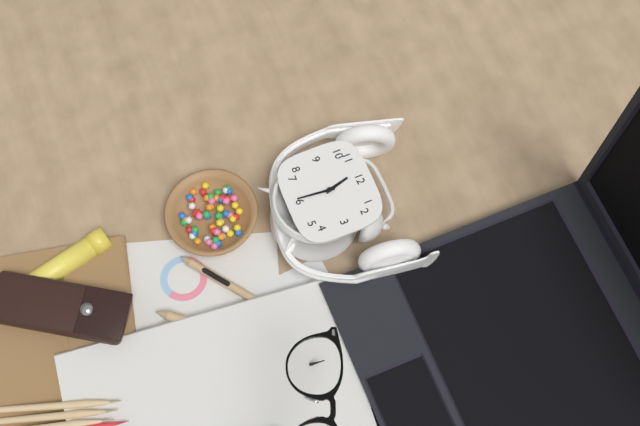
11:31
